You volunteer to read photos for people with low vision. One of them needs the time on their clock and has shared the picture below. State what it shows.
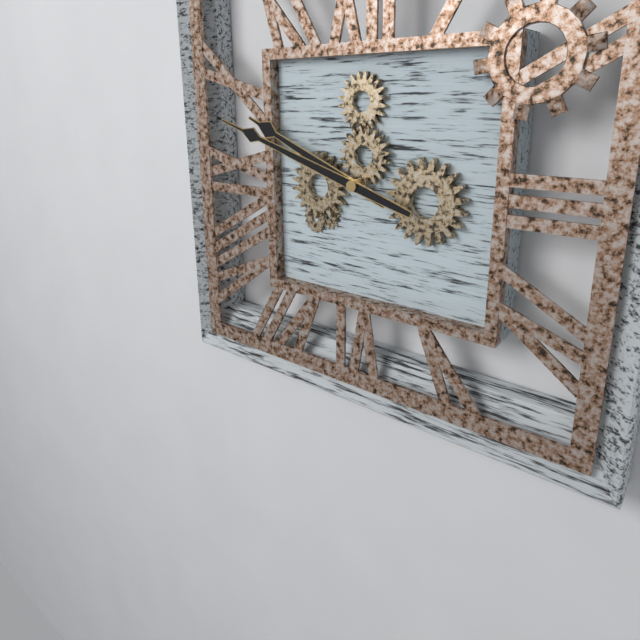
9:48
